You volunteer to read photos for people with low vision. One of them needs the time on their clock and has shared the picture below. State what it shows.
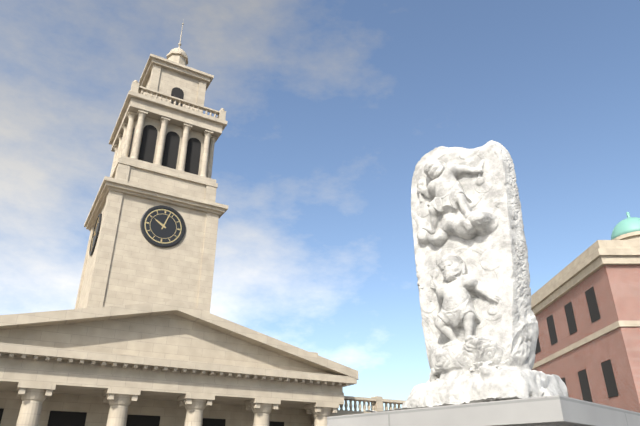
10:03
